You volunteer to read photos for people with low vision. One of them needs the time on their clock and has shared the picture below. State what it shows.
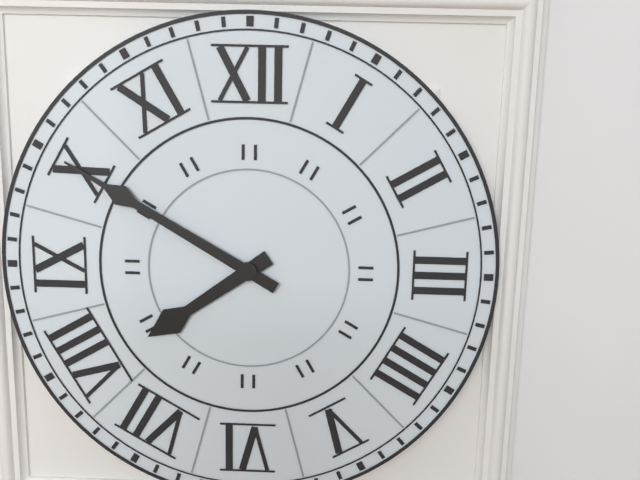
7:50
